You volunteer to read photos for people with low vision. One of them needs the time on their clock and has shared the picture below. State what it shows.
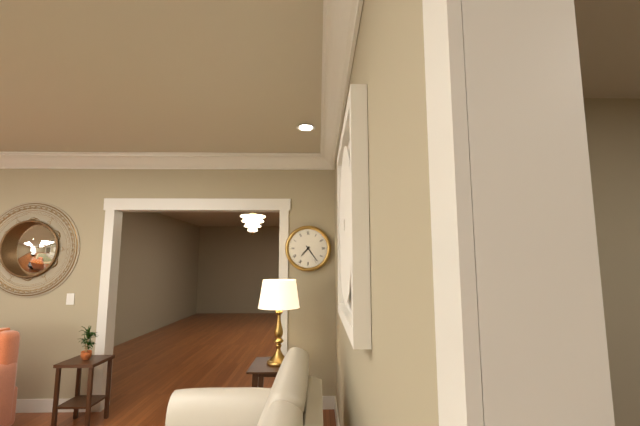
7:24
